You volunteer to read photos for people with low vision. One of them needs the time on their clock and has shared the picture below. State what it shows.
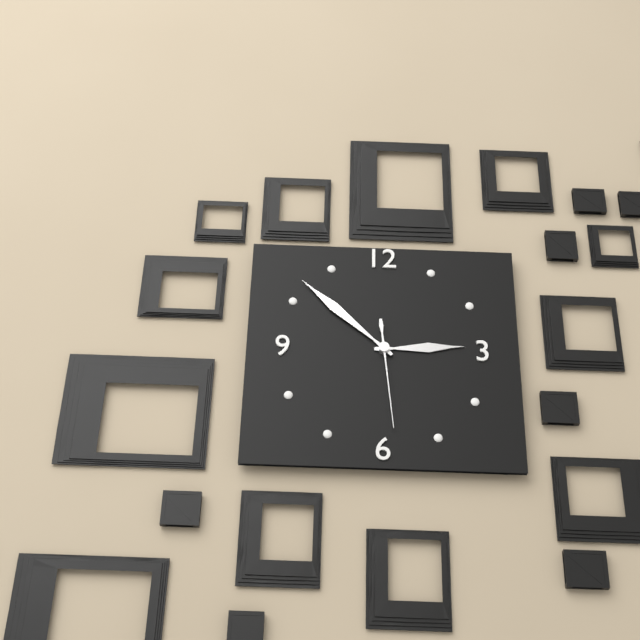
2:52:29
